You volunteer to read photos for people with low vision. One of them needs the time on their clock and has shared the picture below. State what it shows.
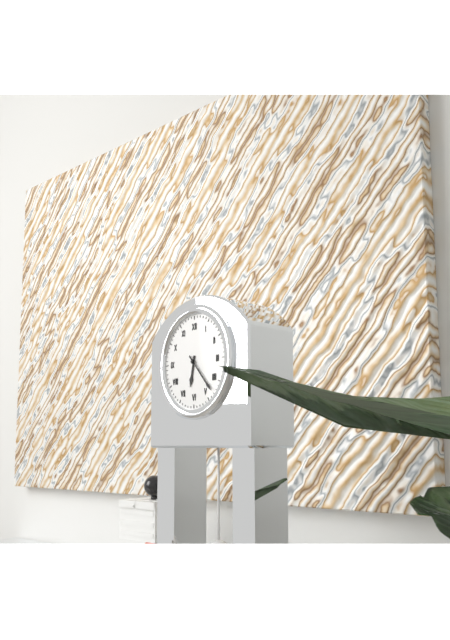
6:23
